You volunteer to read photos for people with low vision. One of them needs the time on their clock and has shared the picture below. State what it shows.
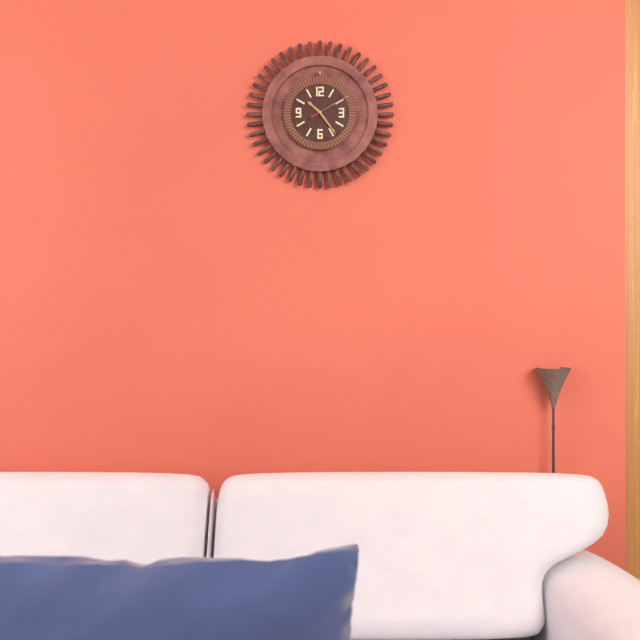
10:24
